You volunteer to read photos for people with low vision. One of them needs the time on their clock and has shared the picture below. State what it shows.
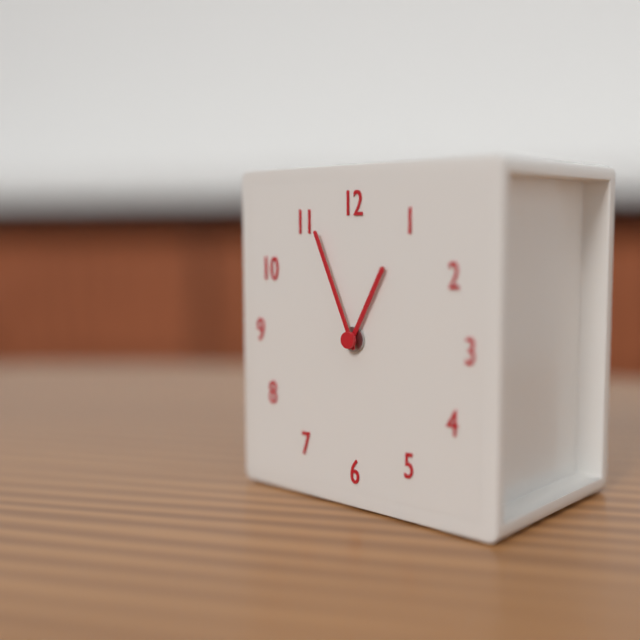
12:56
